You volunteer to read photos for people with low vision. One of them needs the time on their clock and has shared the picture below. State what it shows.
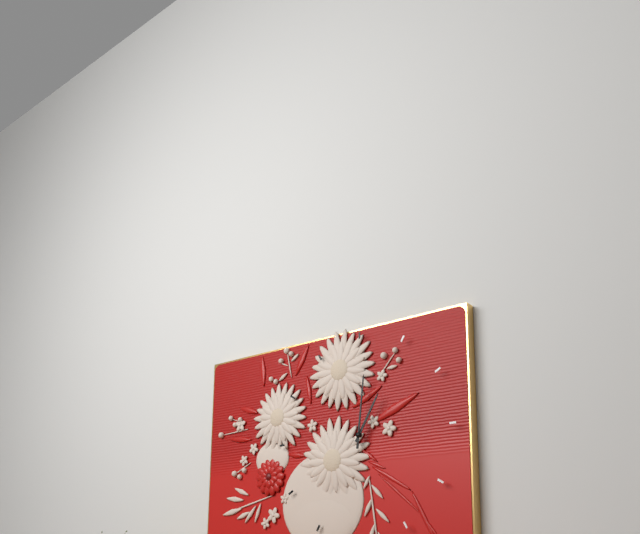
1:01
